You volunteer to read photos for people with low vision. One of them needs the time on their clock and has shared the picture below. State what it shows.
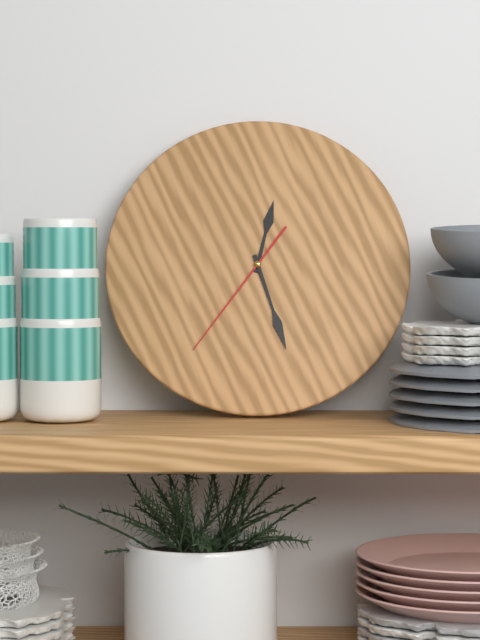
12:27:36
